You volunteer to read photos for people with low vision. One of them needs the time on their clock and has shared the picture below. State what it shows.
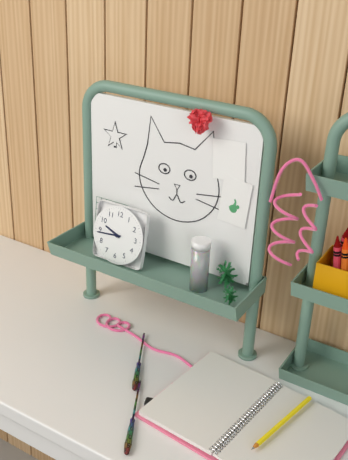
9:44
